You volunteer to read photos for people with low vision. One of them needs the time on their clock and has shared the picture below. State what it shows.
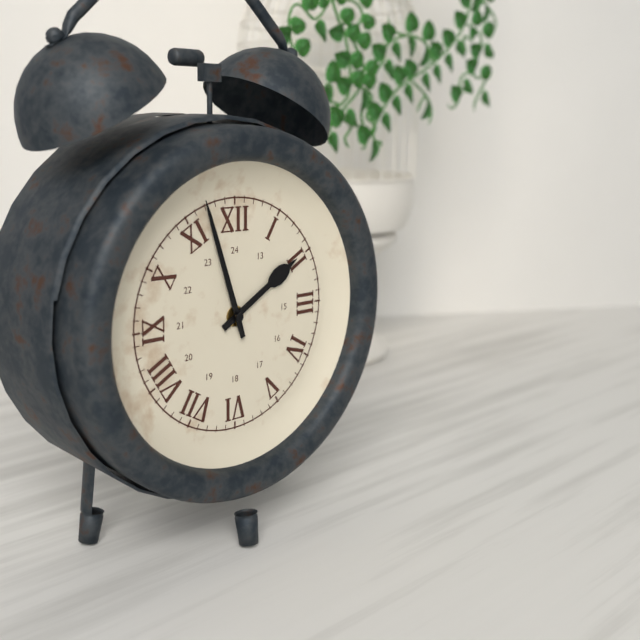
1:57
